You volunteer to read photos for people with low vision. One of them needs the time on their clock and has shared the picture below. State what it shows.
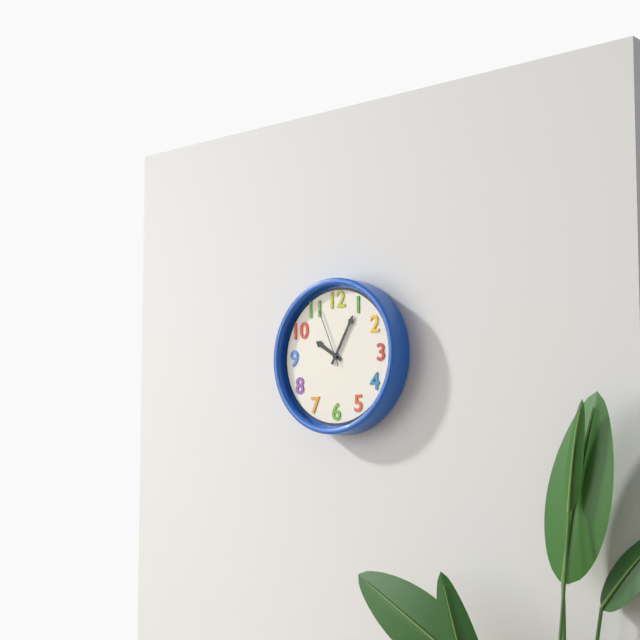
10:05:56
